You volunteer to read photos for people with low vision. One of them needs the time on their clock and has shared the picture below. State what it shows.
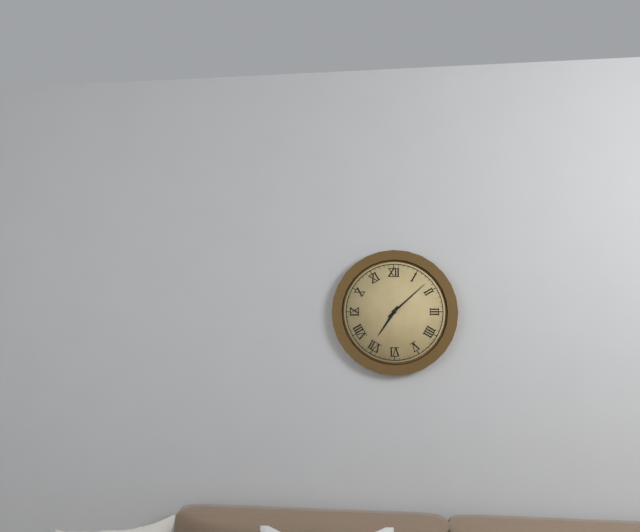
7:08
